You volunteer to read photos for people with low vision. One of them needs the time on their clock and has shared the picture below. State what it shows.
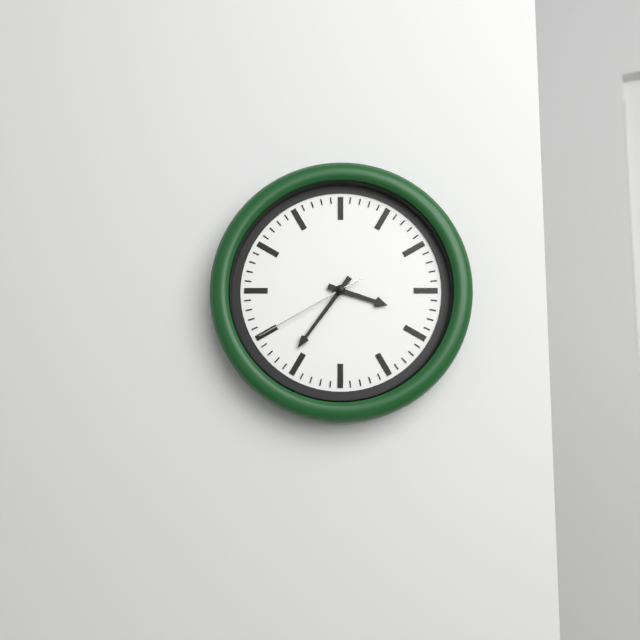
3:36:40
